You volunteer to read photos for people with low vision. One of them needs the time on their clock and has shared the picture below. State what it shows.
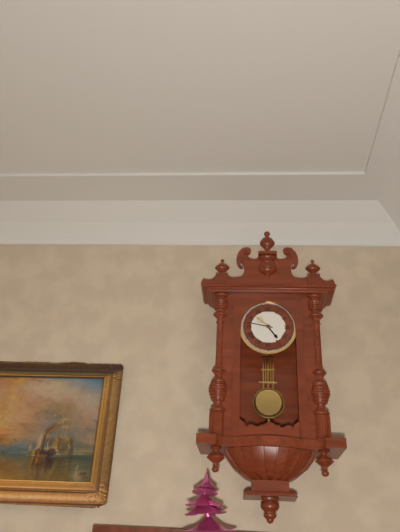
4:47
